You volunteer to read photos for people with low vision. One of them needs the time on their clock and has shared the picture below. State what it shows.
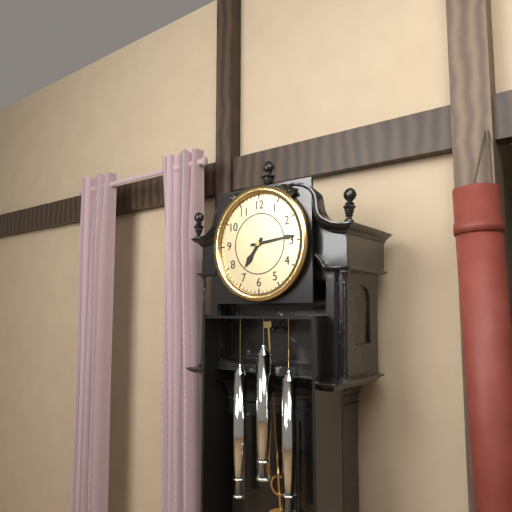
7:14
